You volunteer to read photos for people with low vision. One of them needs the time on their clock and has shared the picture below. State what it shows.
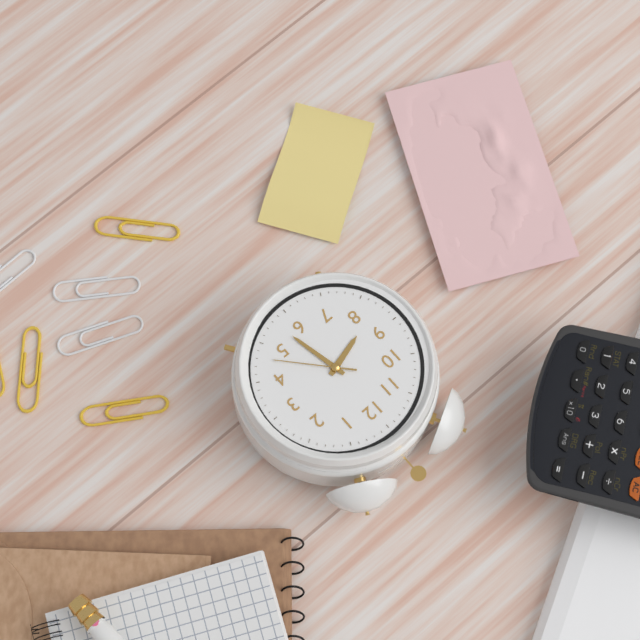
8:28:23
